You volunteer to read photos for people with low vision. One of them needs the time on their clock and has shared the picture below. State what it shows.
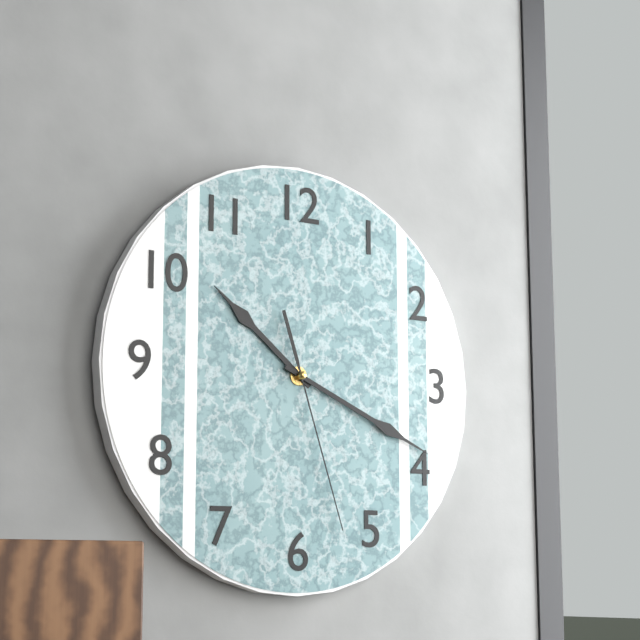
10:19:27
